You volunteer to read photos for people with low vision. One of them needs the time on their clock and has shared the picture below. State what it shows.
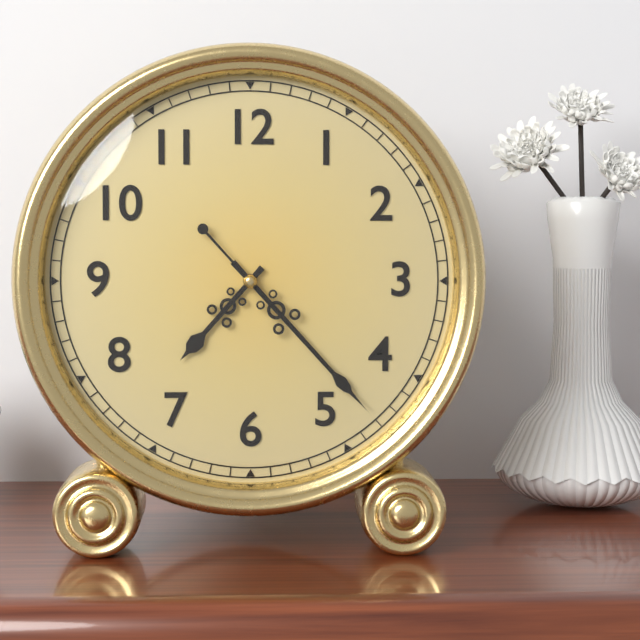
7:23:23
